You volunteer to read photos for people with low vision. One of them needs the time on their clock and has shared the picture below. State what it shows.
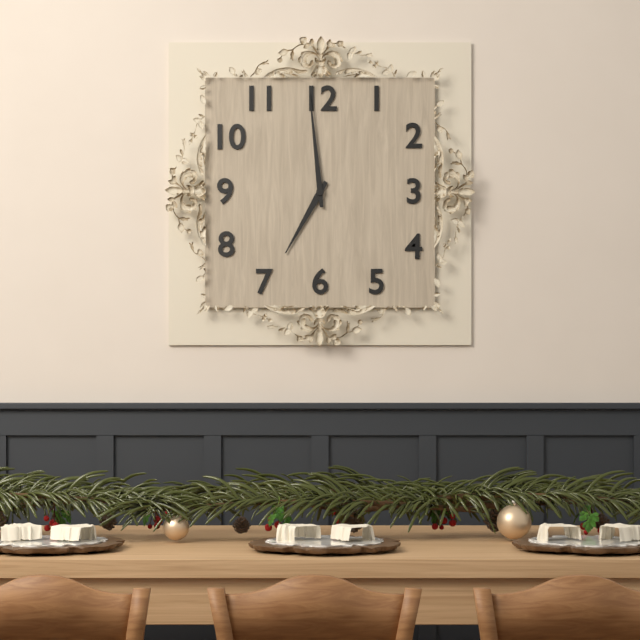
6:59
